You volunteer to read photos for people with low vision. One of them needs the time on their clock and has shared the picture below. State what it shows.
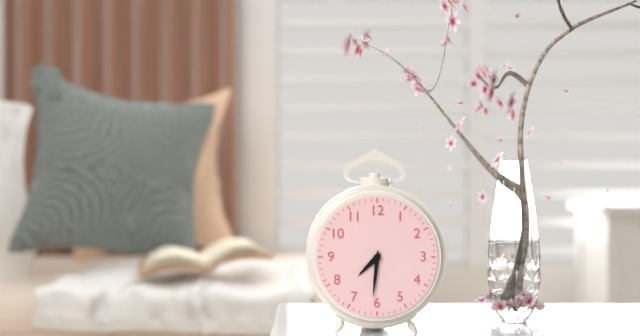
7:31
